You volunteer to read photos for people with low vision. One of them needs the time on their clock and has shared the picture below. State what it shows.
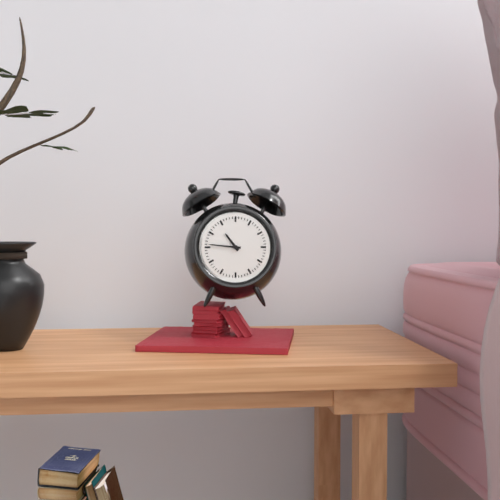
10:46
